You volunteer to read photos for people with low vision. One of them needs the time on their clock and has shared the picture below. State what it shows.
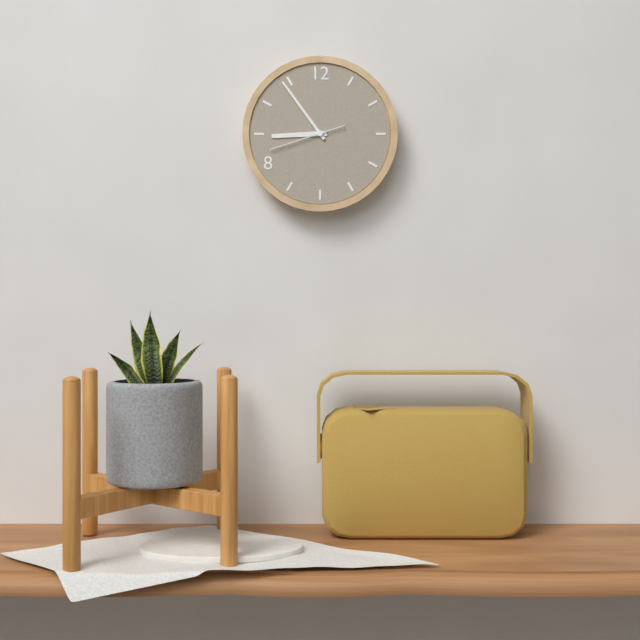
8:54:42
